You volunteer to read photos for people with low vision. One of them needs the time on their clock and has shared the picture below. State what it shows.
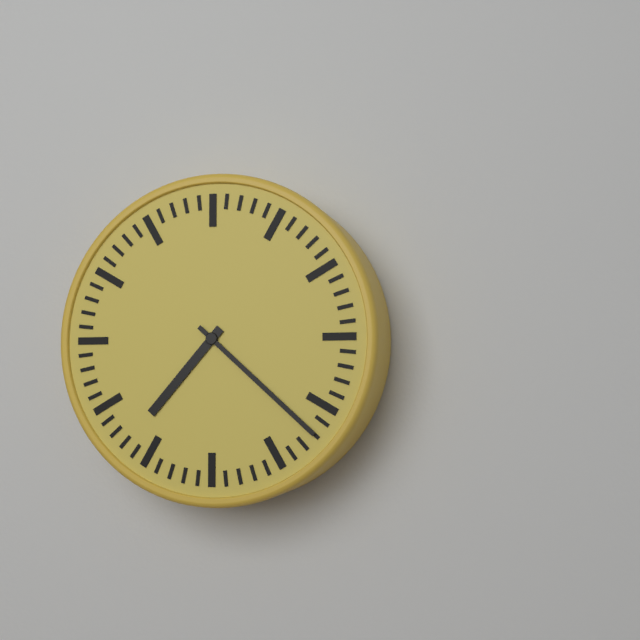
7:22
